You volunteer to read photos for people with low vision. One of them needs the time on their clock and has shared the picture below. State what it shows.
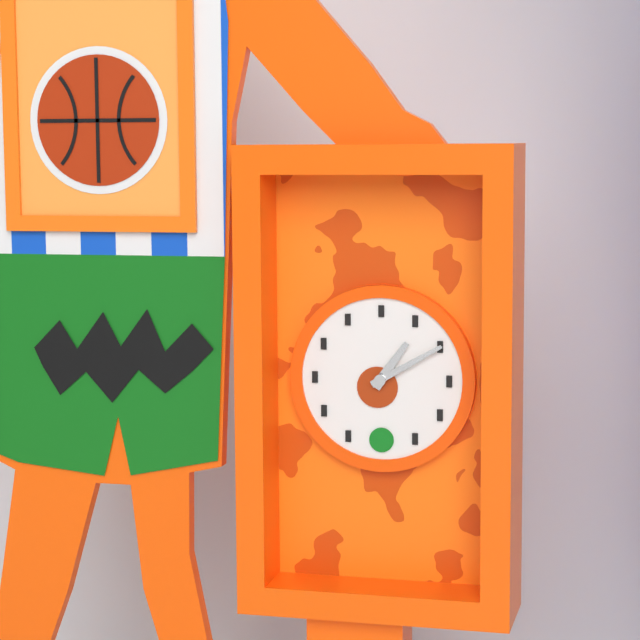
1:10
